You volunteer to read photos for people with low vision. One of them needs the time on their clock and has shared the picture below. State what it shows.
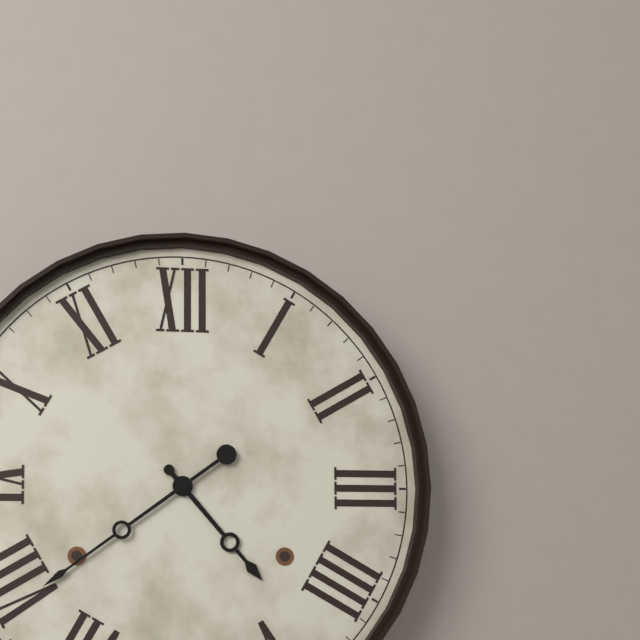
4:39
